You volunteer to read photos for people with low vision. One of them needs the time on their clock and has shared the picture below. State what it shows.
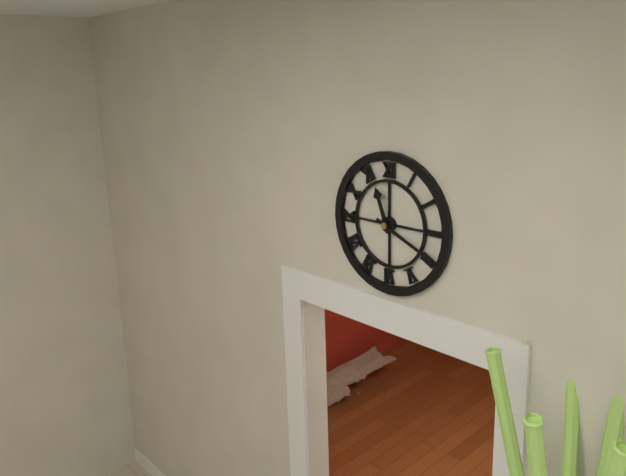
11:19
